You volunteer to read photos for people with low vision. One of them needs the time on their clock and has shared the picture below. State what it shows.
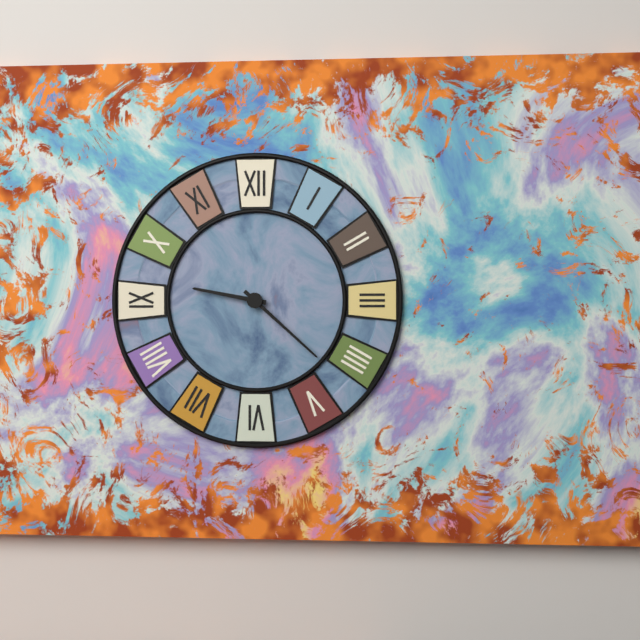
9:22
